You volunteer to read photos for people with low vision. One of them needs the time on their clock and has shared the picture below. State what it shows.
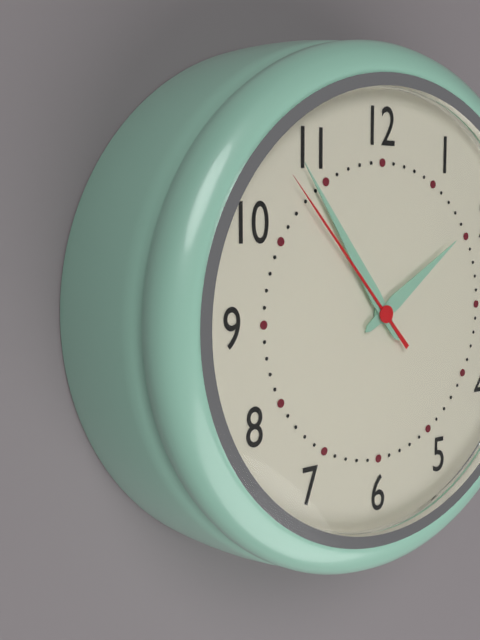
1:54:53
